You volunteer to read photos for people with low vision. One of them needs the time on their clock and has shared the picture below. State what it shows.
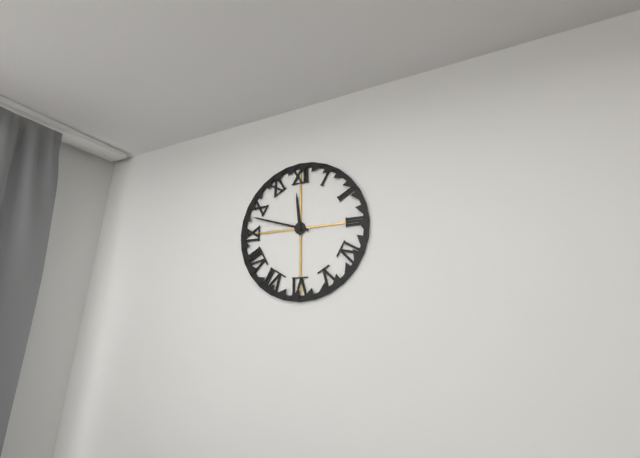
11:48
